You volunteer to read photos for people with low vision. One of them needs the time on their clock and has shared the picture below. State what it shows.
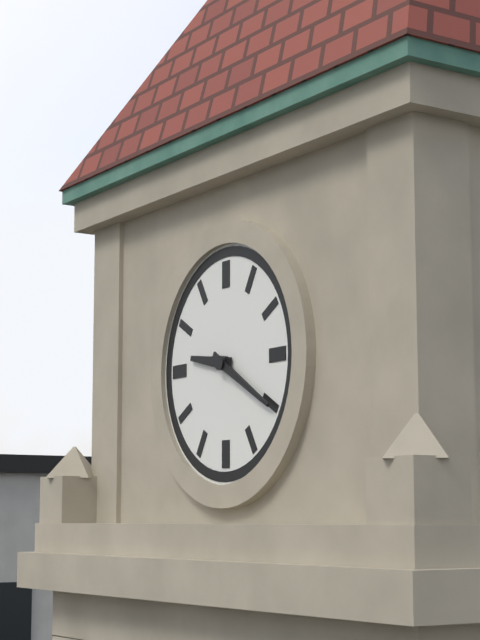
9:20
